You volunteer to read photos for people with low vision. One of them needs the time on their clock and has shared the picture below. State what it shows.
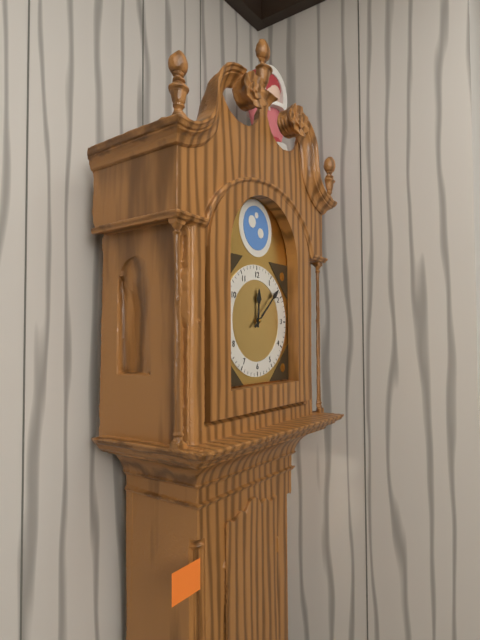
12:08
